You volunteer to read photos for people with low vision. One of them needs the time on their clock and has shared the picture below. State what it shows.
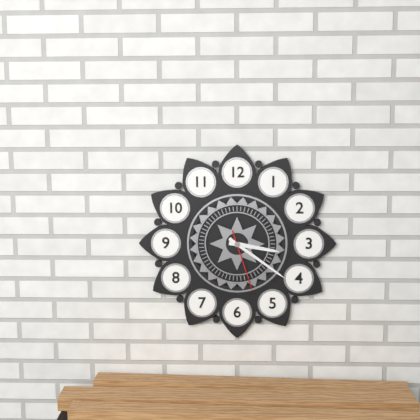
3:21:27
